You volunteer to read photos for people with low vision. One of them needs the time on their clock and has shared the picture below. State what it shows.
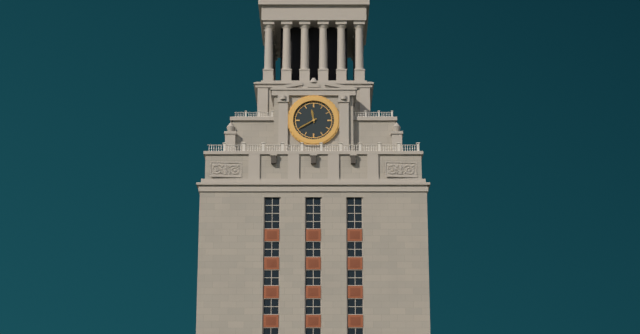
11:40
